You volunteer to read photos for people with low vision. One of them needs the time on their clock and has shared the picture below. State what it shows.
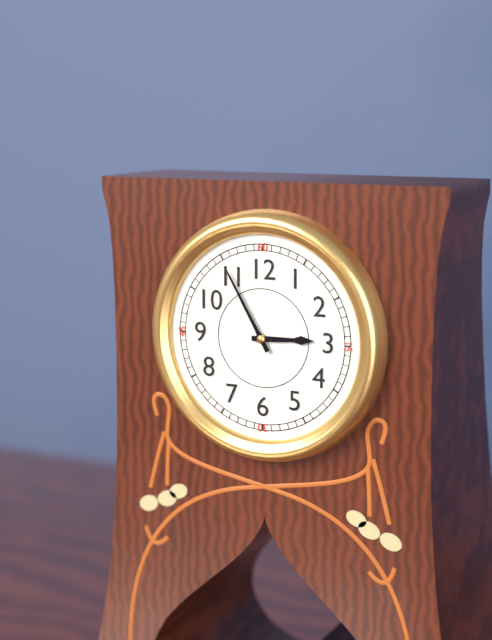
2:55
